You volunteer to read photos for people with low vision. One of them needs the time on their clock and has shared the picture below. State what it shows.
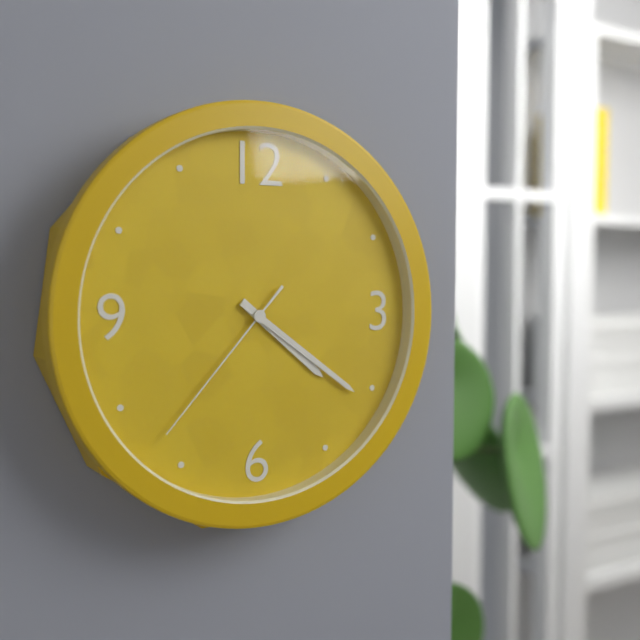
4:21:37
